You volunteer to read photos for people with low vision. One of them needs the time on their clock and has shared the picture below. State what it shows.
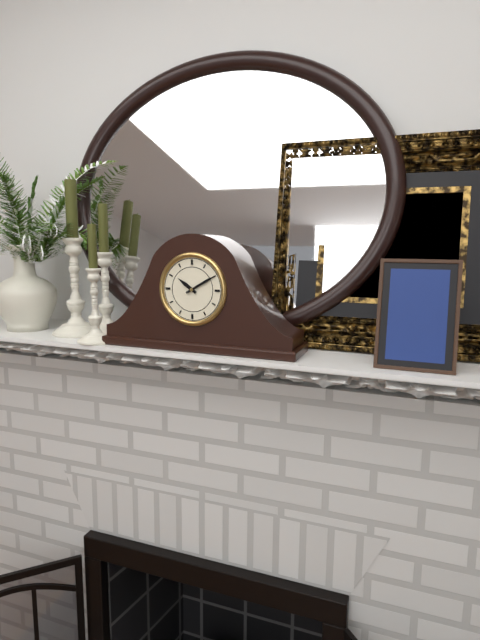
10:10
